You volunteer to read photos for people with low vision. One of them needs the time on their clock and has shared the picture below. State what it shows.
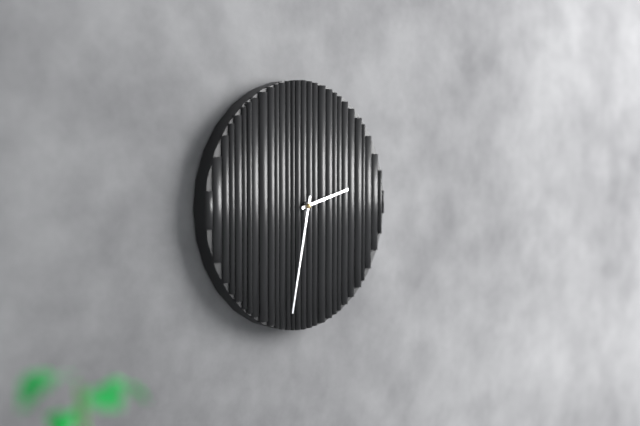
2:32
